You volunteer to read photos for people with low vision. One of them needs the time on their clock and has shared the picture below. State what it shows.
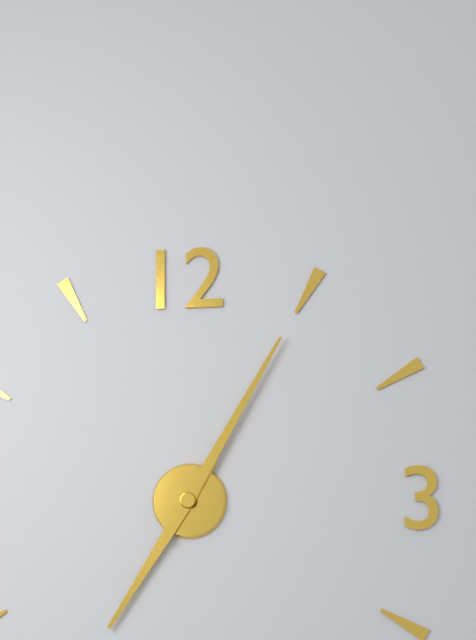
7:05
